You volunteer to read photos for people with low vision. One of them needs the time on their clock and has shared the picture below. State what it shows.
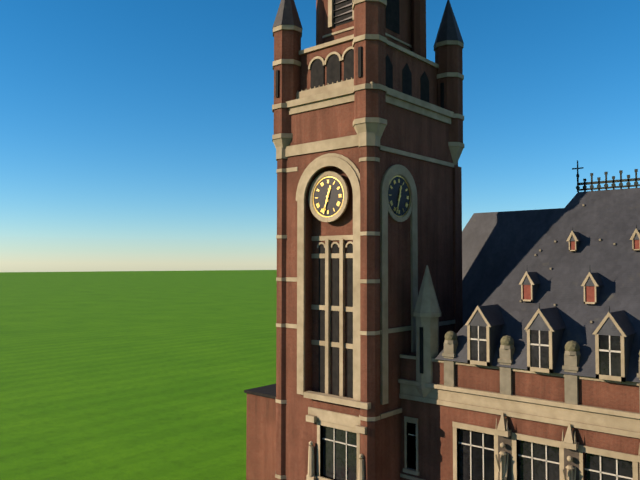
12:33
